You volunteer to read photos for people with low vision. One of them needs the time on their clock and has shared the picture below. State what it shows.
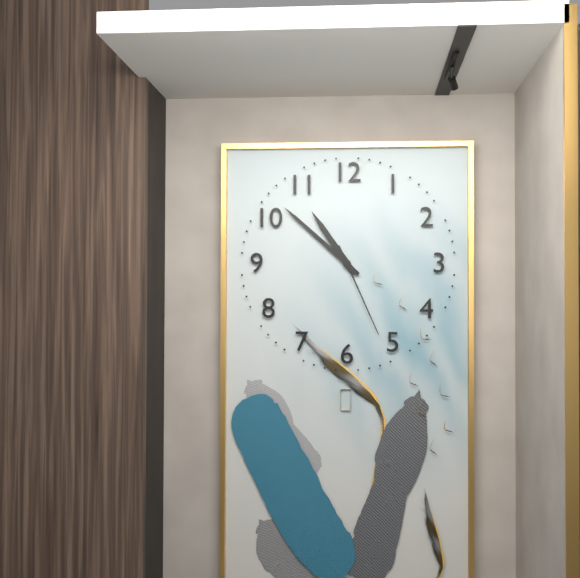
10:52:26
